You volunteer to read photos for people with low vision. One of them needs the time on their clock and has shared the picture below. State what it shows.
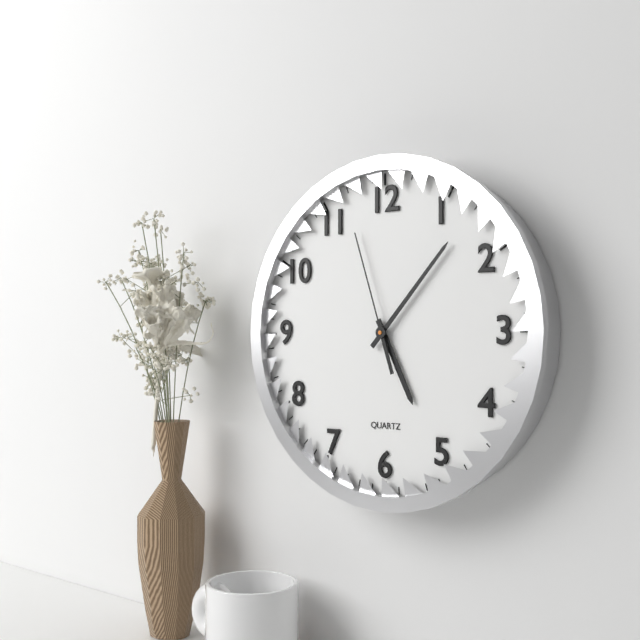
5:07:57
